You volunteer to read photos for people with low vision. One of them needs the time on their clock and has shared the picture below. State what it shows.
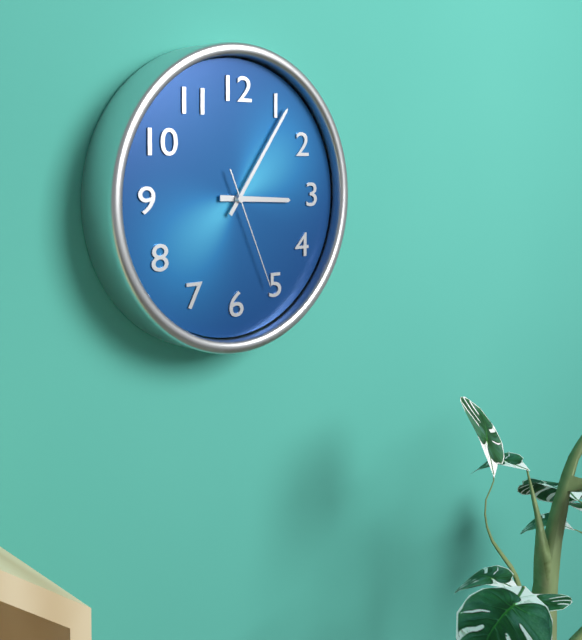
3:06:26
